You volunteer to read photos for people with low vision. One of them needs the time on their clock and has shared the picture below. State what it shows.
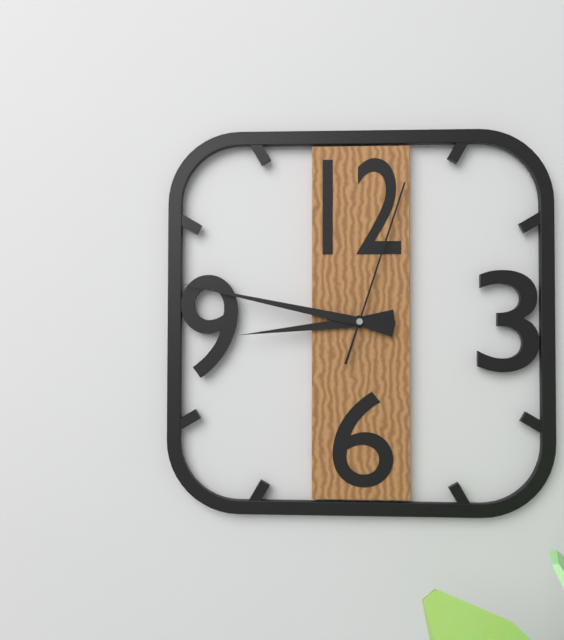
8:47:03
